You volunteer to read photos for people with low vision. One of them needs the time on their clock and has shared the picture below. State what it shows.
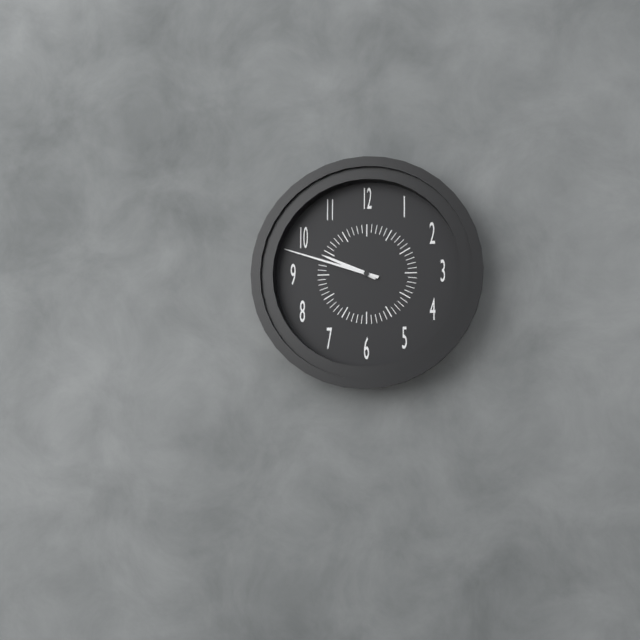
9:48
